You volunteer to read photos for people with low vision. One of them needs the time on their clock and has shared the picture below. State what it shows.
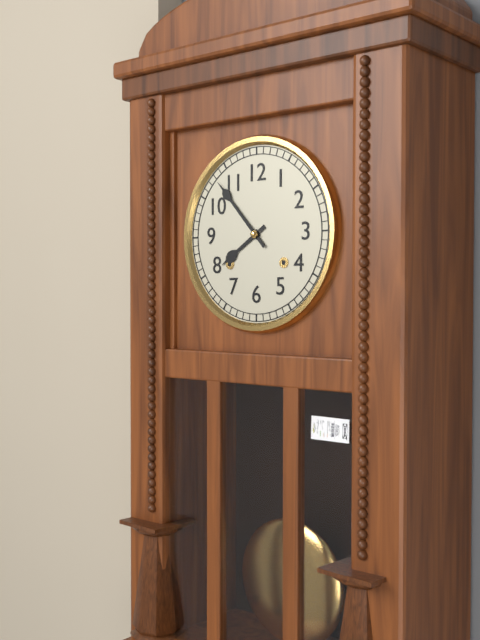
7:53
